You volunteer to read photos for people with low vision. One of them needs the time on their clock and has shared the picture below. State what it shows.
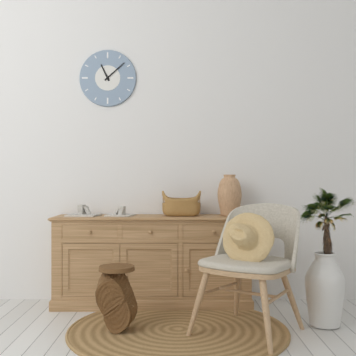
11:08
